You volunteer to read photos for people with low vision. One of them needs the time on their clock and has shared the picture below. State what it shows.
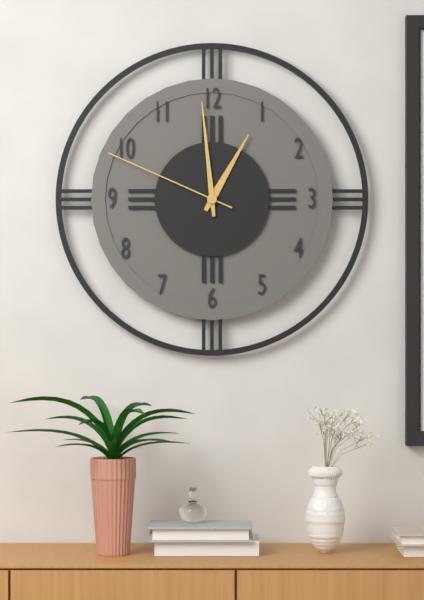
12:59:49
